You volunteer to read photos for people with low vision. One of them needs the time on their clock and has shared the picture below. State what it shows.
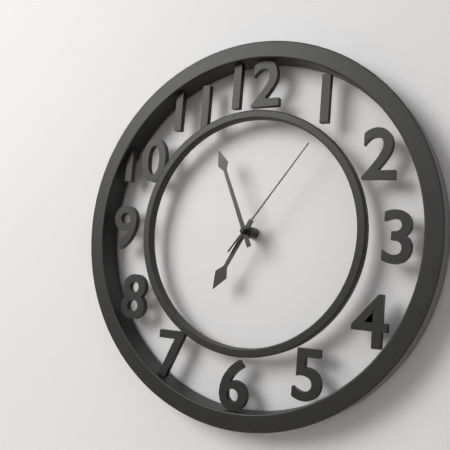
6:56:06
